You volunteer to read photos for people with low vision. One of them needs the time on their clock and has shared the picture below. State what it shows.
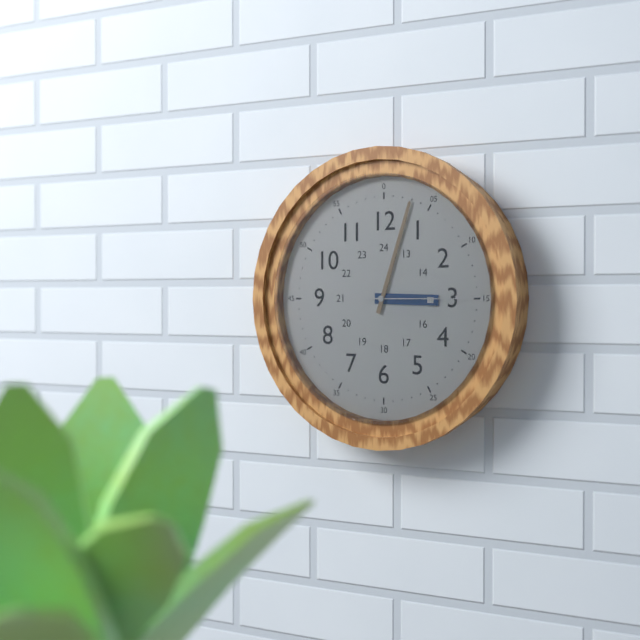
3:03:15
